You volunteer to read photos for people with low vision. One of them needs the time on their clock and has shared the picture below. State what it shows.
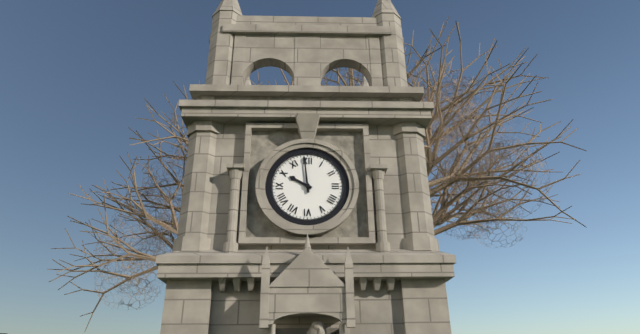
9:59
